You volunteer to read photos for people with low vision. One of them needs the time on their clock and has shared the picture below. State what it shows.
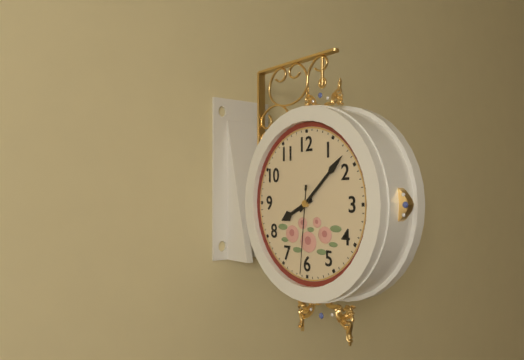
8:08:31
